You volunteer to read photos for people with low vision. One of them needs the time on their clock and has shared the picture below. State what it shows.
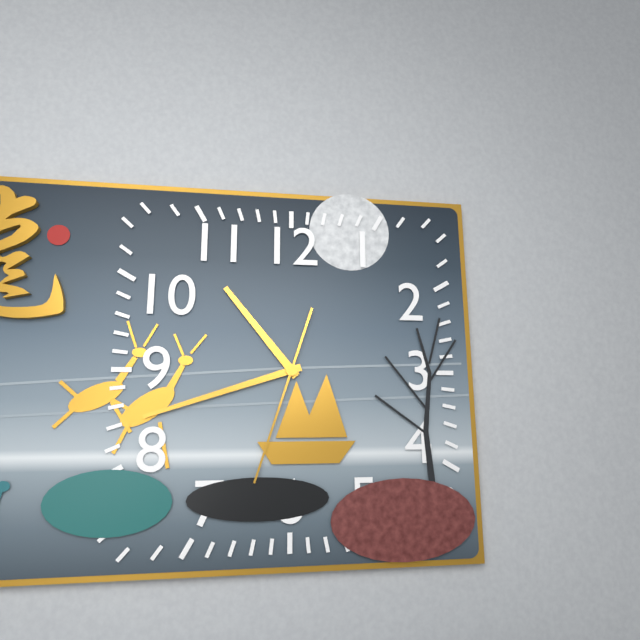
10:42:33
